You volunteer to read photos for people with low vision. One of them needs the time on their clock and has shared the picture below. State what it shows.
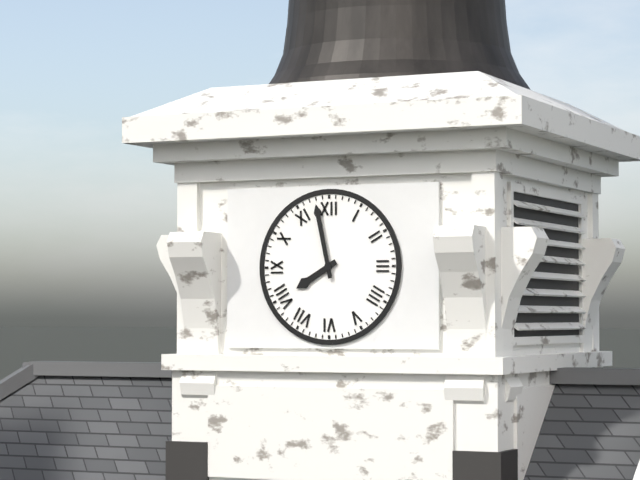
7:58
